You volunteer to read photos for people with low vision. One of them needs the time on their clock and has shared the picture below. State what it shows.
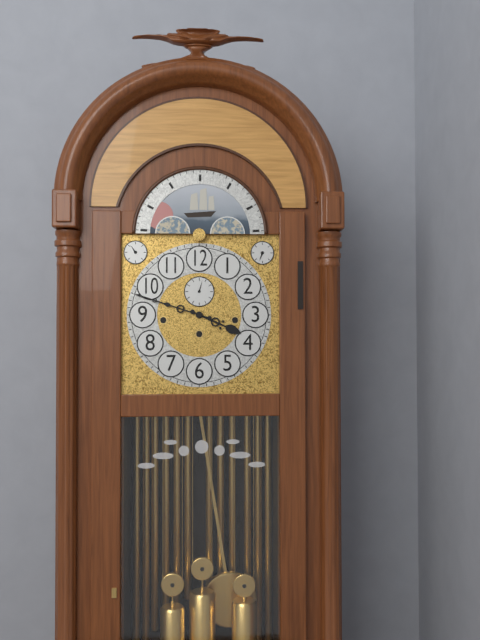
3:48
